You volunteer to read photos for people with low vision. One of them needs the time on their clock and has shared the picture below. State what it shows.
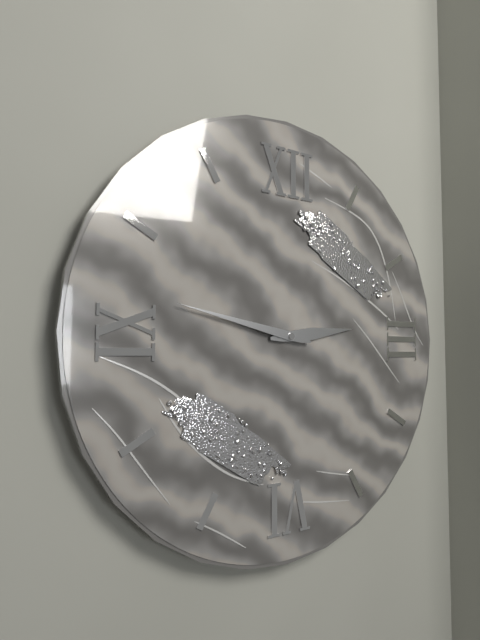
2:47
